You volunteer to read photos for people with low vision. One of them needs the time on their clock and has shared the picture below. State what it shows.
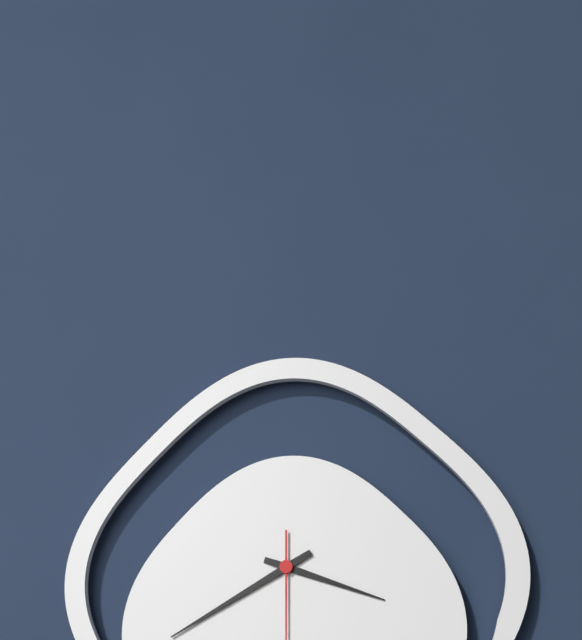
3:40
